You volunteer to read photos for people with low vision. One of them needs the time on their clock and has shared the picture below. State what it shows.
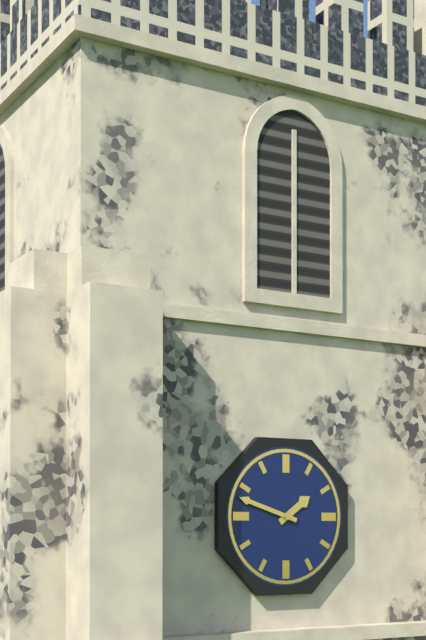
1:48
